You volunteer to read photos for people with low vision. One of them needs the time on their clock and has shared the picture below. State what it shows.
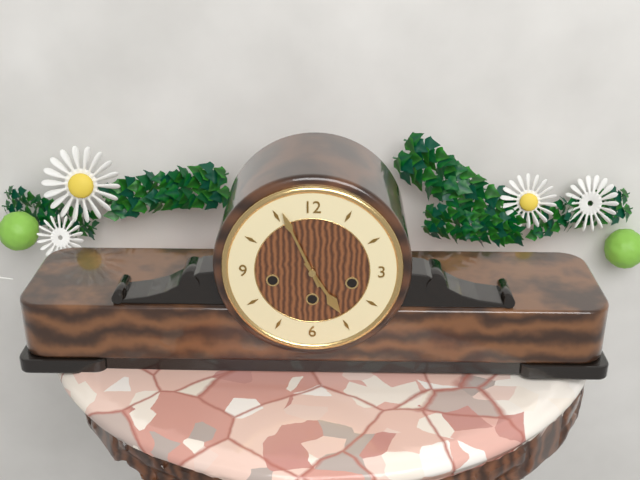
4:56
